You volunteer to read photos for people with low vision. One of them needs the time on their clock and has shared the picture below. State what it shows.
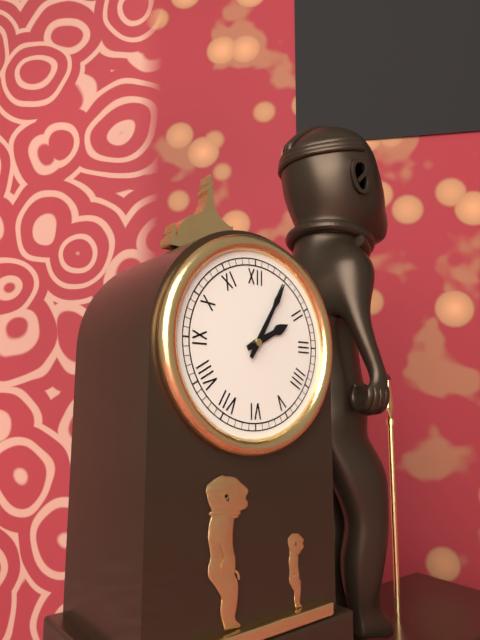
2:05
